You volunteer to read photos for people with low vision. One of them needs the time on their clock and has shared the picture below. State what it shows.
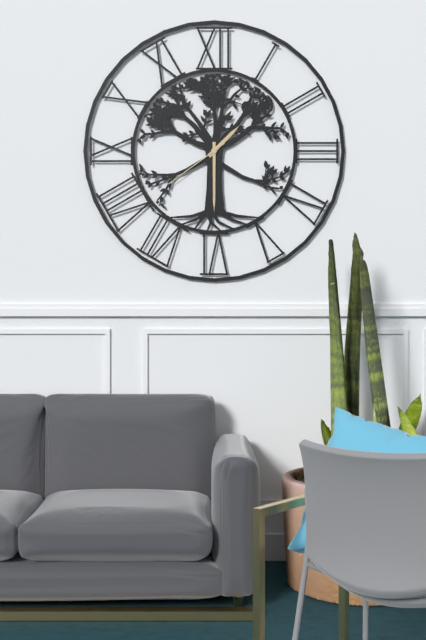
1:30:39
